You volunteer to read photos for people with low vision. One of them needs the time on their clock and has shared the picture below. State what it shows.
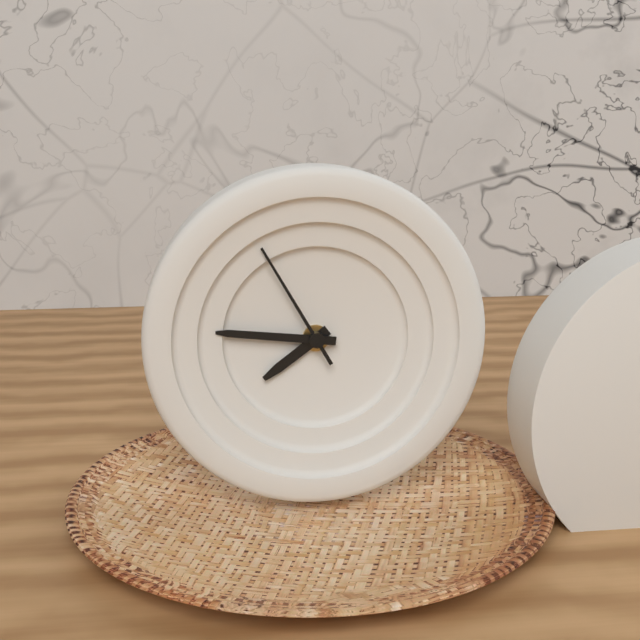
7:46:55
